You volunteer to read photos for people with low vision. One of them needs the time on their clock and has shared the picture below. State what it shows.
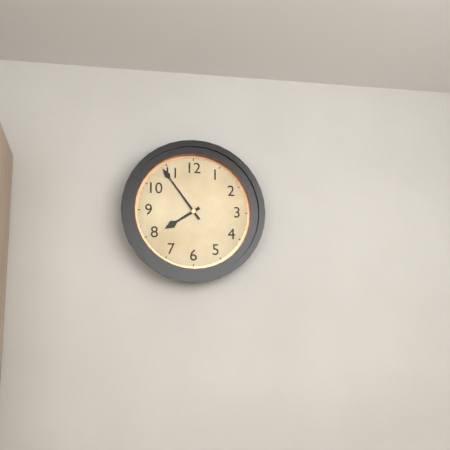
7:54
